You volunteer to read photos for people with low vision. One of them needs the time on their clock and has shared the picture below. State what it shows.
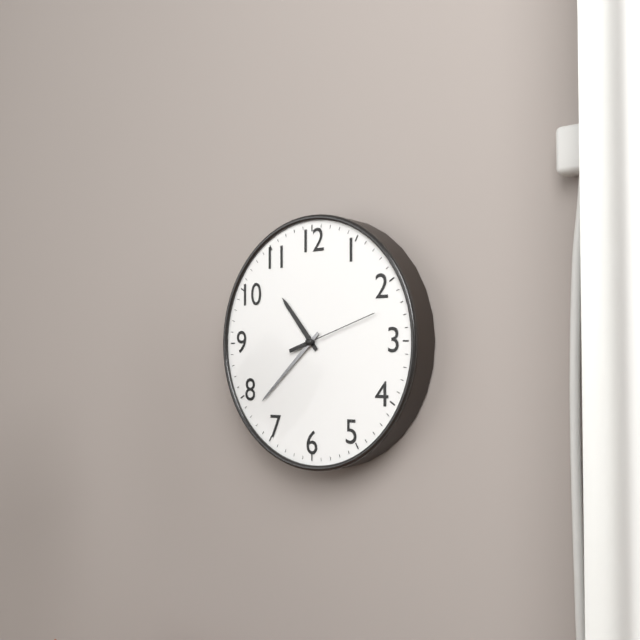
10:38:12
